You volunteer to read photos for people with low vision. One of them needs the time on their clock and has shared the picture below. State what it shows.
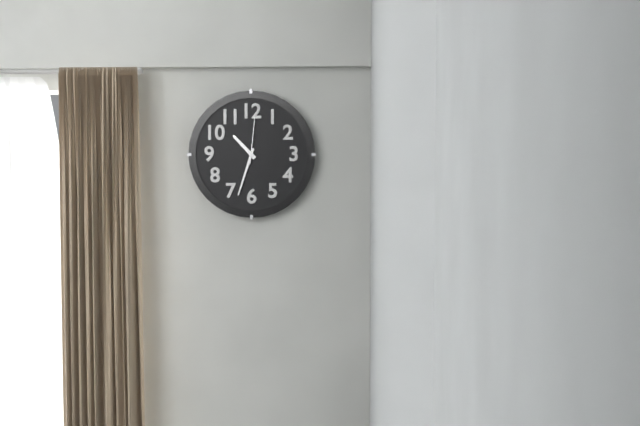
10:33
